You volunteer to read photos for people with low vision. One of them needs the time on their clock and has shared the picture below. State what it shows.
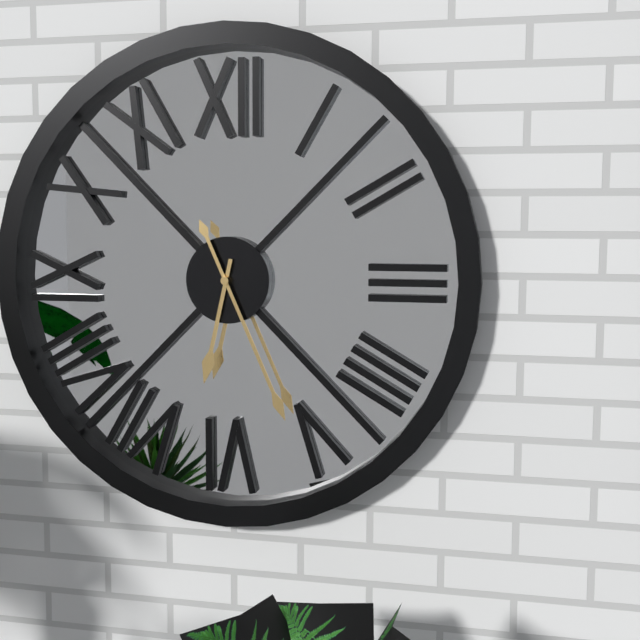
6:26
